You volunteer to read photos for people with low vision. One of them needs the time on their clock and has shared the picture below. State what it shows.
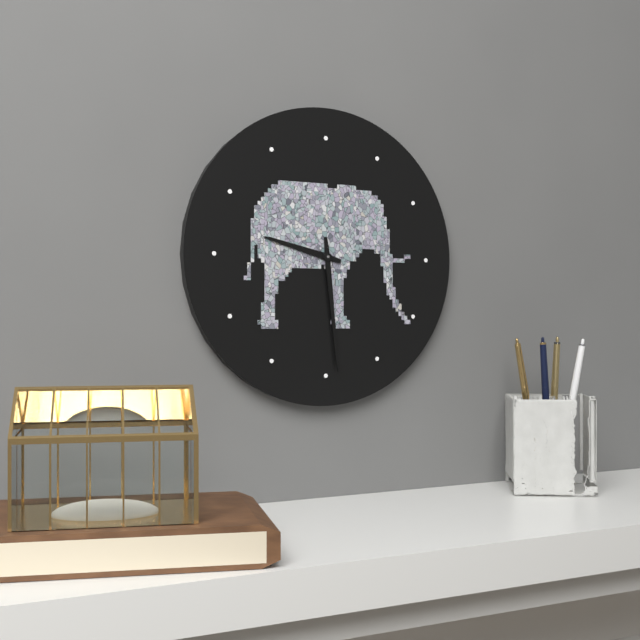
9:29
